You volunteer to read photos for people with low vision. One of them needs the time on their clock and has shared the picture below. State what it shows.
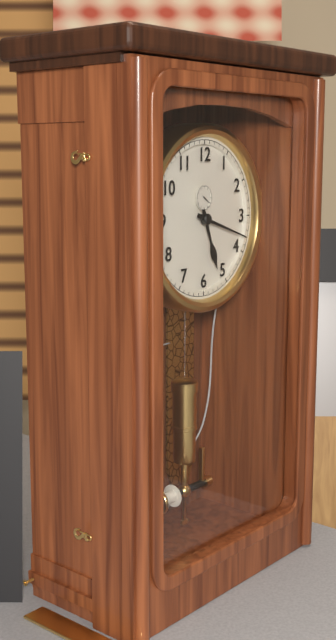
5:18
